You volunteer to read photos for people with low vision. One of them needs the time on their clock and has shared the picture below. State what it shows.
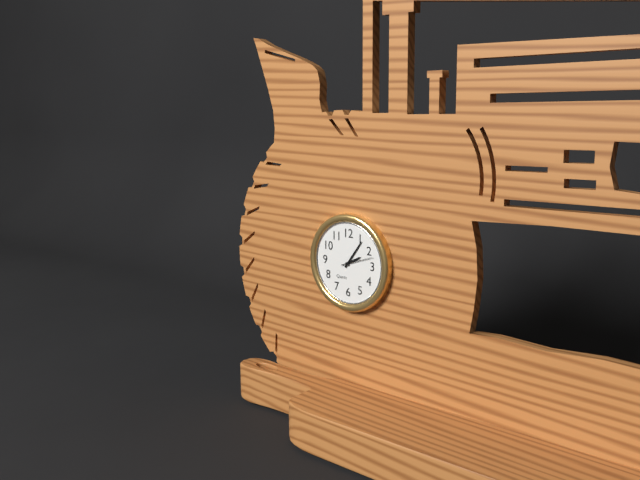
2:06
